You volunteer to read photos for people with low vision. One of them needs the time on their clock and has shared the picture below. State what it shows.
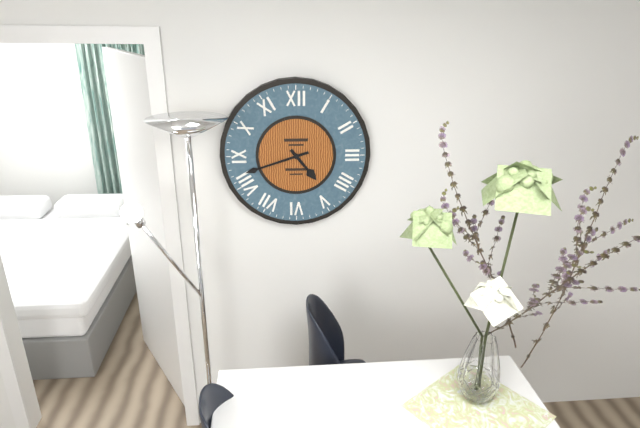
4:42
